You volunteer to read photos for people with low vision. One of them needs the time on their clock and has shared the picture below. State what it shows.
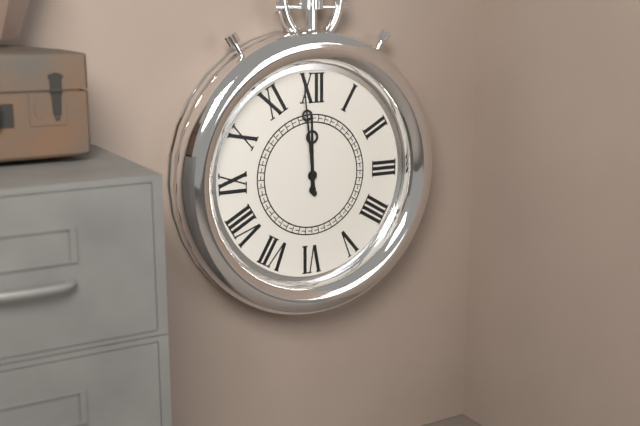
11:59
